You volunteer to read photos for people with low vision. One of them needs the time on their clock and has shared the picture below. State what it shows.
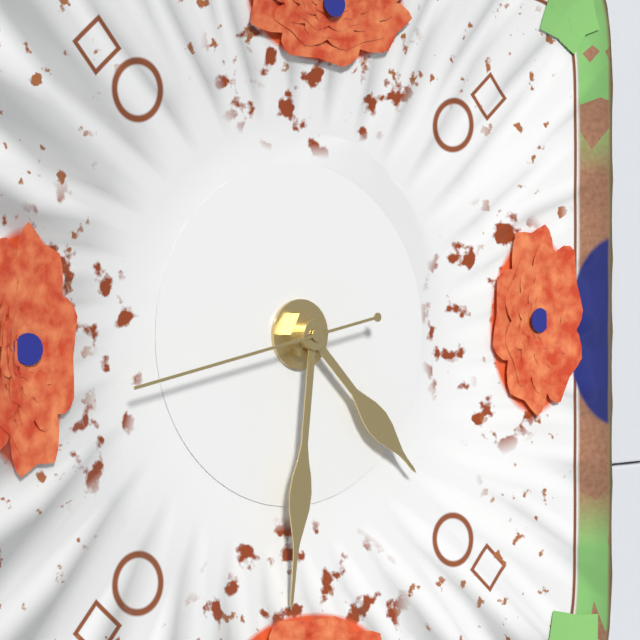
4:31:43
